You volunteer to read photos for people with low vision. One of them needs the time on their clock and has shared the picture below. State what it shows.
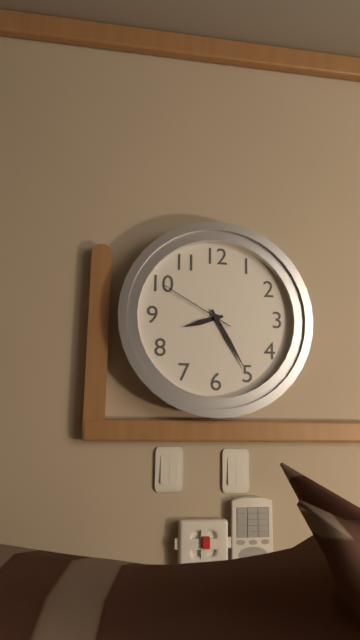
8:25:50
